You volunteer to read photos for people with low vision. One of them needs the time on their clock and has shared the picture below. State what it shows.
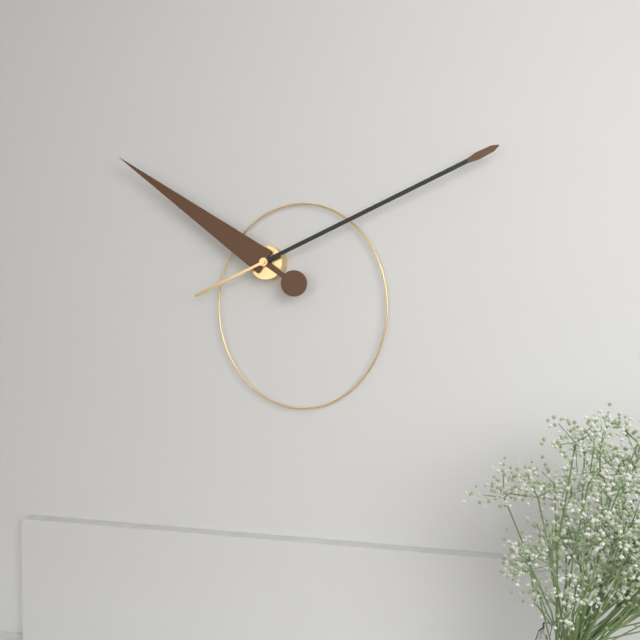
10:11
